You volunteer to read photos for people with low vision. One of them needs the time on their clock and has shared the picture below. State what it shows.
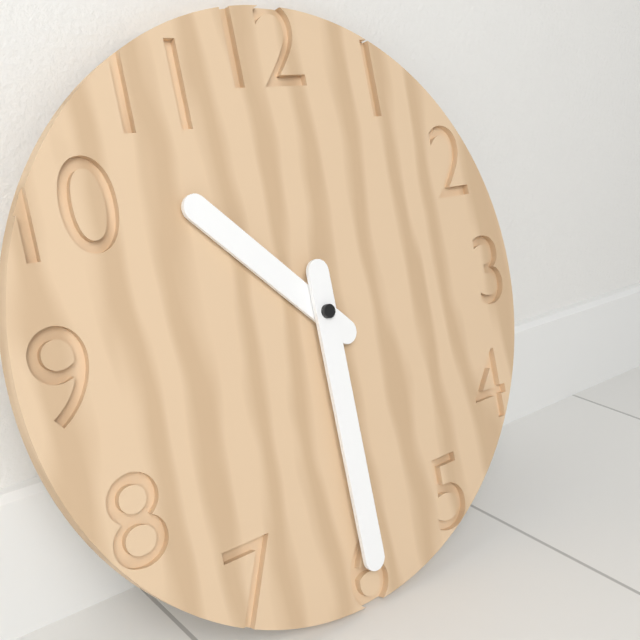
10:30
